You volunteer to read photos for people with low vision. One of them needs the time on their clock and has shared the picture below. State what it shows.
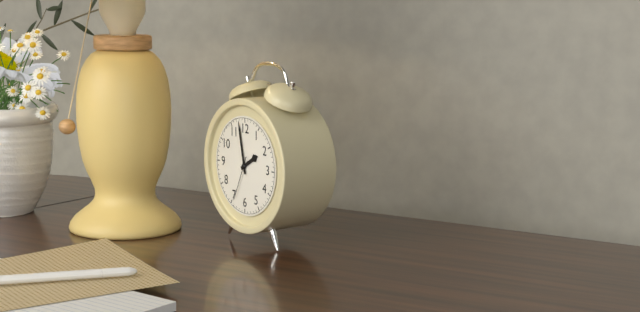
1:58
